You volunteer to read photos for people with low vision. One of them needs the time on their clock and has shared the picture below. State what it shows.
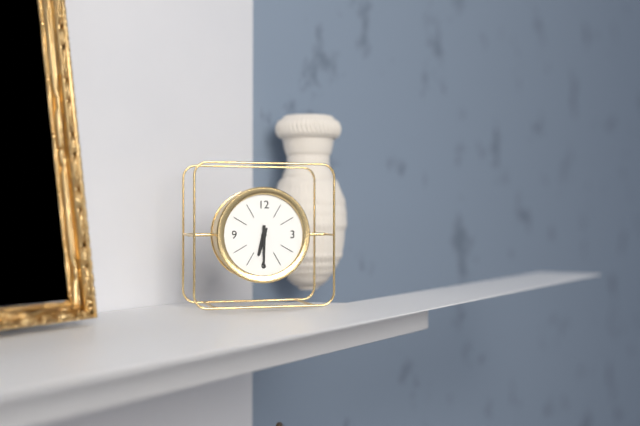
6:30
